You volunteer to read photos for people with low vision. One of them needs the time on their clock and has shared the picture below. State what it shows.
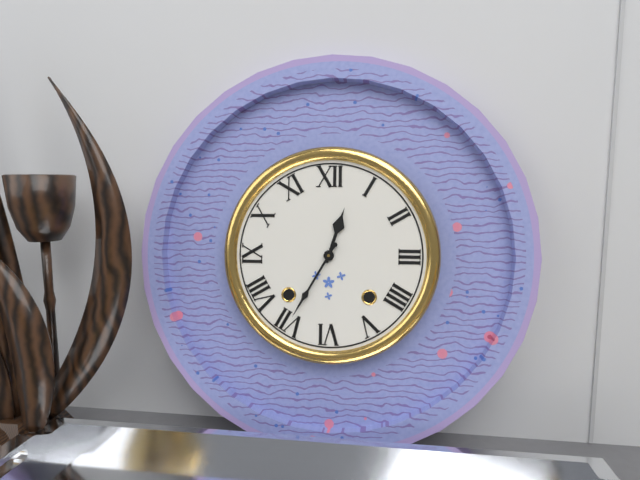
12:35
